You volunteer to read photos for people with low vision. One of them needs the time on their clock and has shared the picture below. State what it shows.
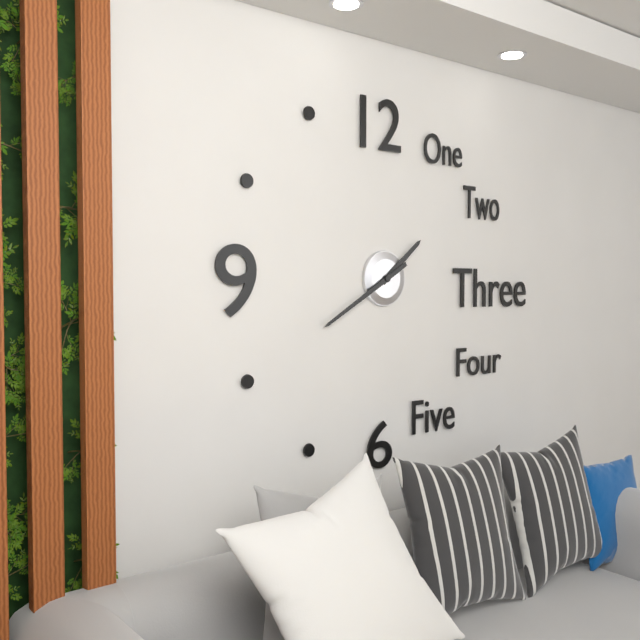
1:40
